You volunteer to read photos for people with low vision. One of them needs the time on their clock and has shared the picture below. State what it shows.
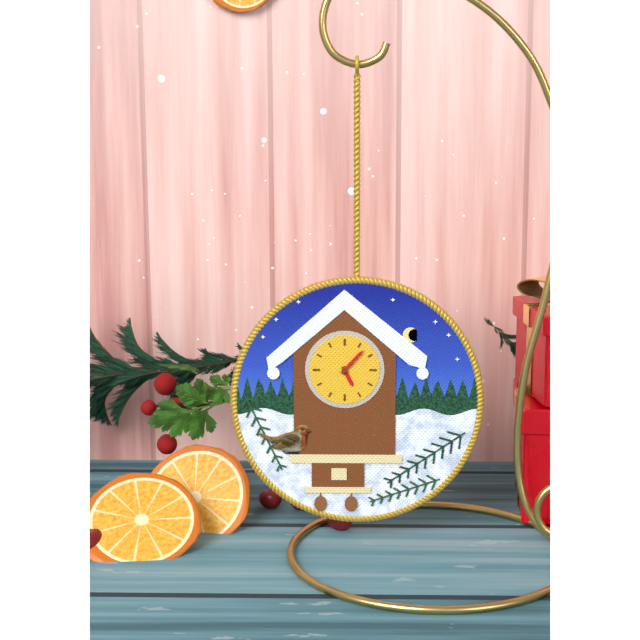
5:07
